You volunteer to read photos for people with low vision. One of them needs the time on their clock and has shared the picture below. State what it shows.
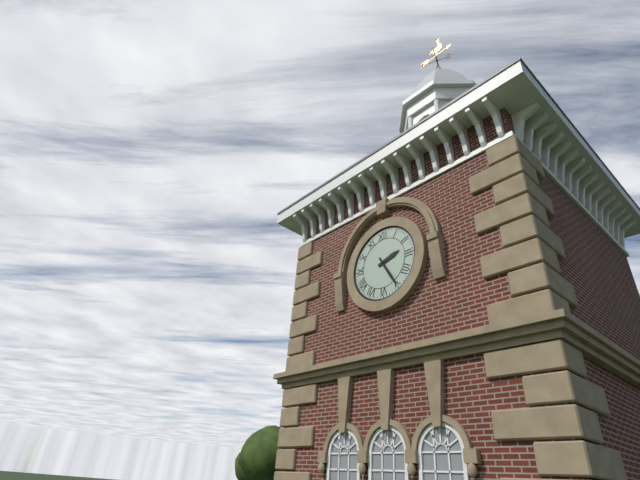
2:25
